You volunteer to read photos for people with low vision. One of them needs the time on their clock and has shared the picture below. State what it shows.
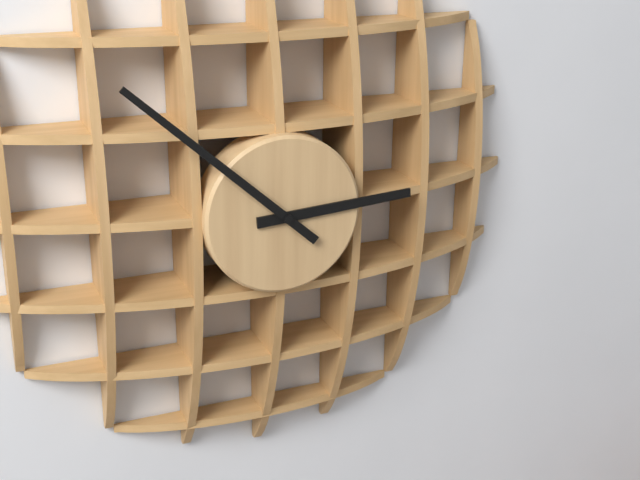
2:52
